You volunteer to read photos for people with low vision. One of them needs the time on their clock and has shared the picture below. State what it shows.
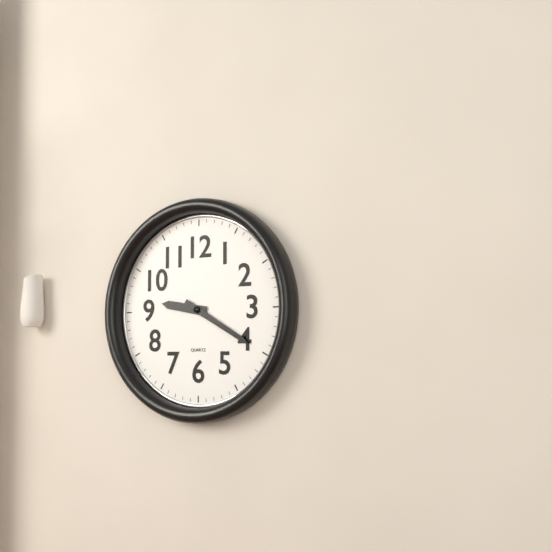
9:20
